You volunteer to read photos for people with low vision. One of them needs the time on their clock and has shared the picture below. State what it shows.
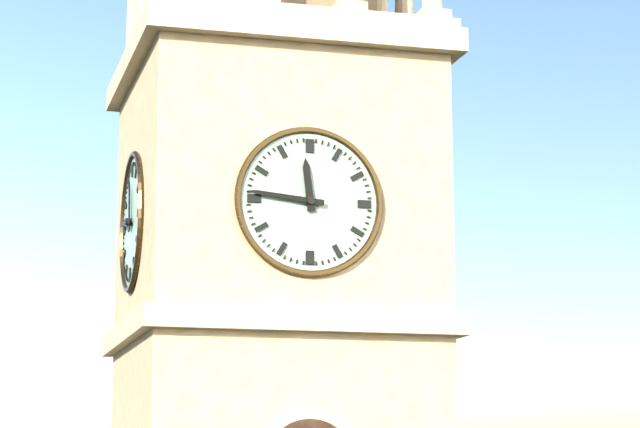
11:46
